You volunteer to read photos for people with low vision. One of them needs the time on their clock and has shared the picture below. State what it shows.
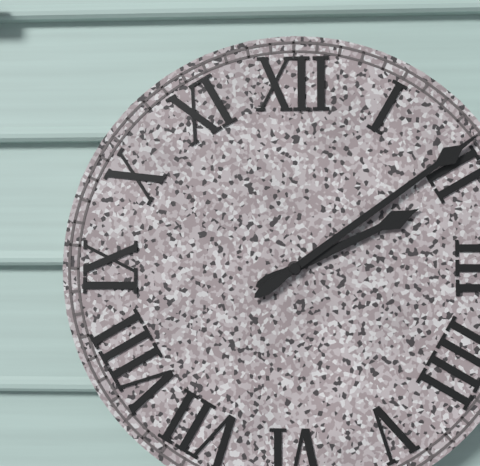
2:09
